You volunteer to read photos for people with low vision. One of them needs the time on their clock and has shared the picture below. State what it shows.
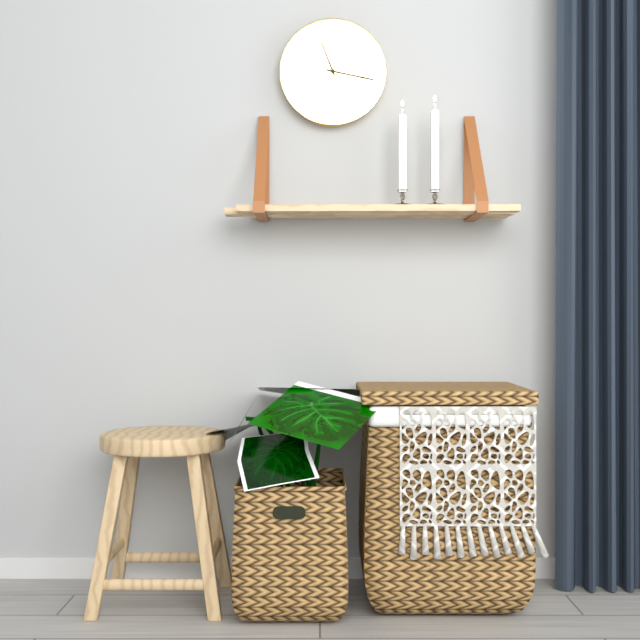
11:17
